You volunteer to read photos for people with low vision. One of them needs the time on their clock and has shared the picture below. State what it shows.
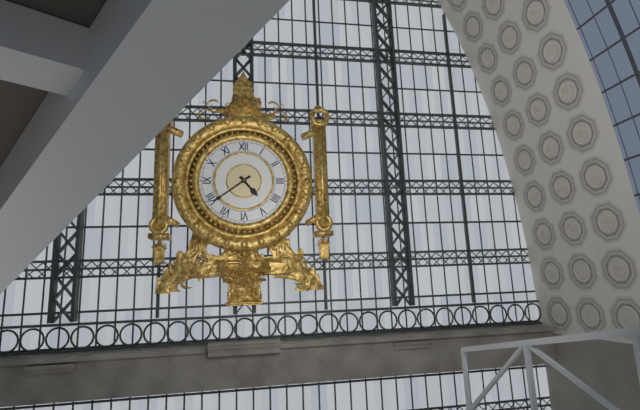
4:39
